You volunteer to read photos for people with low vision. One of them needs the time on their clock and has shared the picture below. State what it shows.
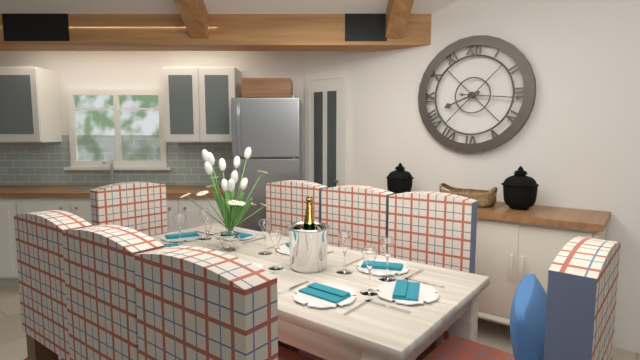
8:16
